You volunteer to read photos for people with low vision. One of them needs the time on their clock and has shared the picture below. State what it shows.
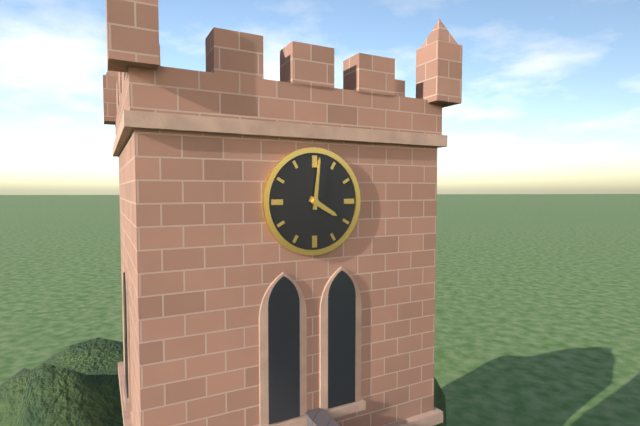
4:01
